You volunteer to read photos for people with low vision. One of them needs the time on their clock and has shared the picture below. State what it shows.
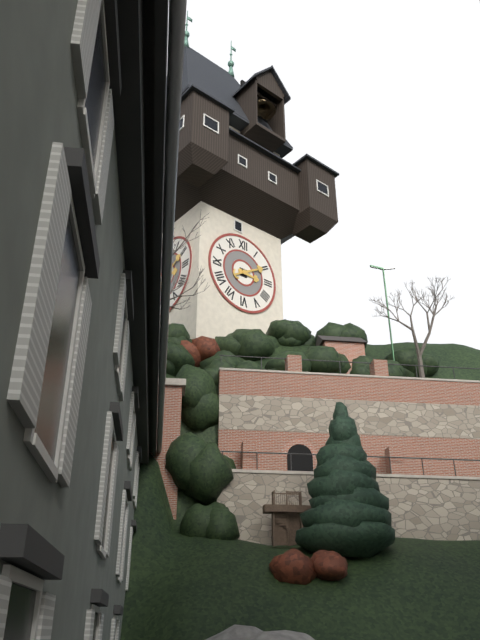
3:10
